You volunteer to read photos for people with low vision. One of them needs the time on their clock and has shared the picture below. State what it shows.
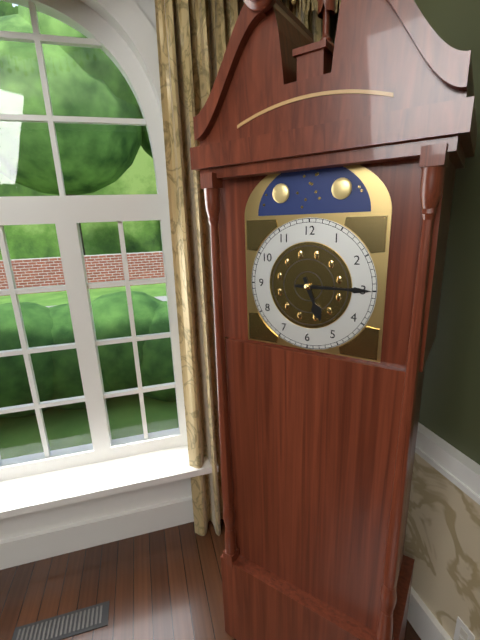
5:15
